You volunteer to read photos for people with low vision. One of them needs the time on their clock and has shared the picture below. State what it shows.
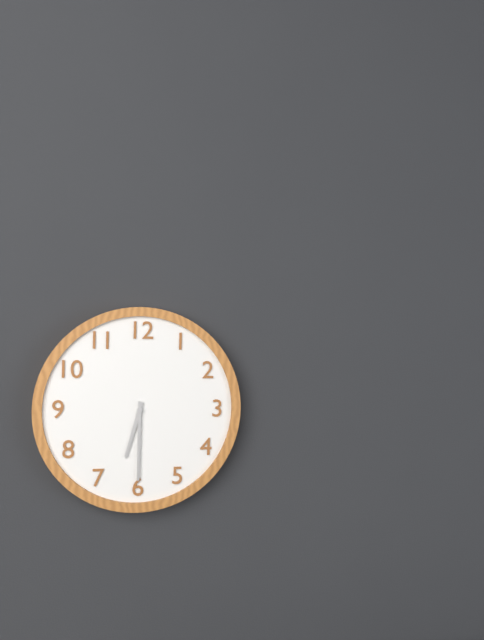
6:30
